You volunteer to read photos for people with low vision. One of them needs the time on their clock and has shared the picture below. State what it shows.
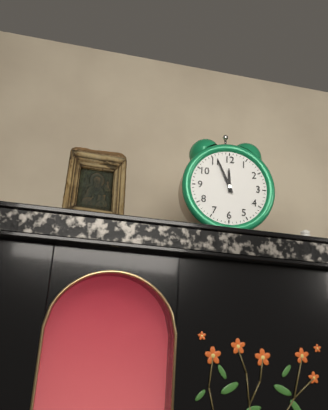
11:56
